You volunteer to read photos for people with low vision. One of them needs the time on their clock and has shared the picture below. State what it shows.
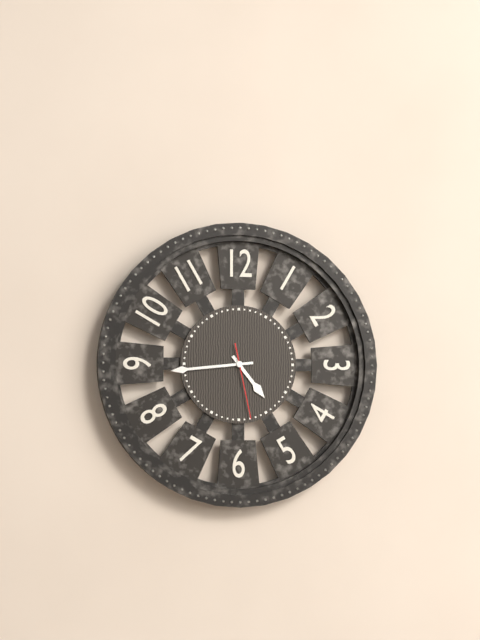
4:44:28
